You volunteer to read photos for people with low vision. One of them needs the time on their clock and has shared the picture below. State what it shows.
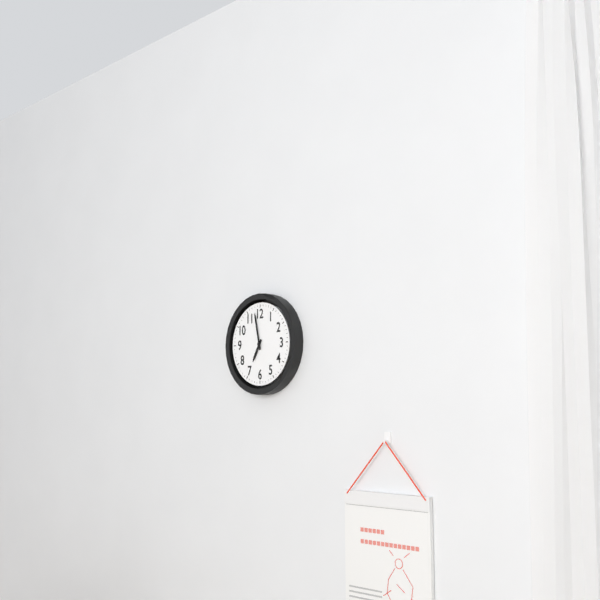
6:58
